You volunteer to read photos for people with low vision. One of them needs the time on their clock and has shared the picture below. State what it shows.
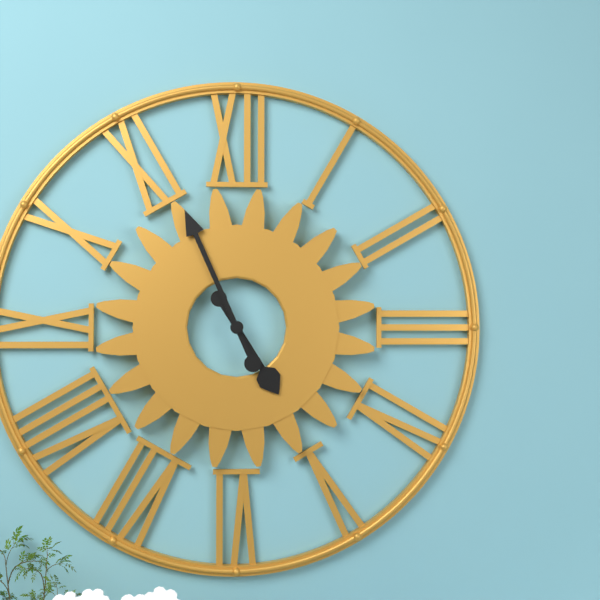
4:56
